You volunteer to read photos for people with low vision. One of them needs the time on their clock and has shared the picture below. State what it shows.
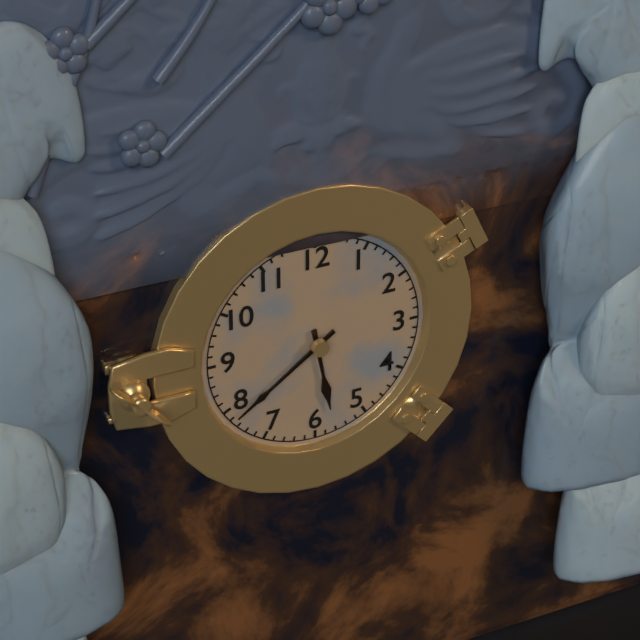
5:39
